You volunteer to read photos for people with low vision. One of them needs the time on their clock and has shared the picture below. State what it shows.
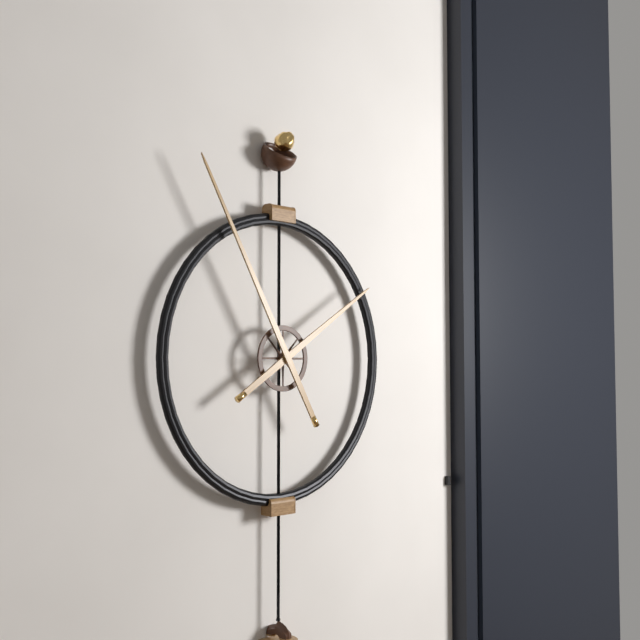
1:55
